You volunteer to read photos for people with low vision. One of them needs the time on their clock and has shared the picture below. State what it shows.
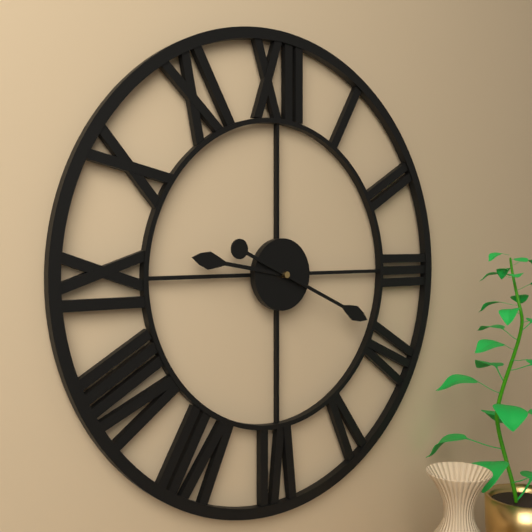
9:19
